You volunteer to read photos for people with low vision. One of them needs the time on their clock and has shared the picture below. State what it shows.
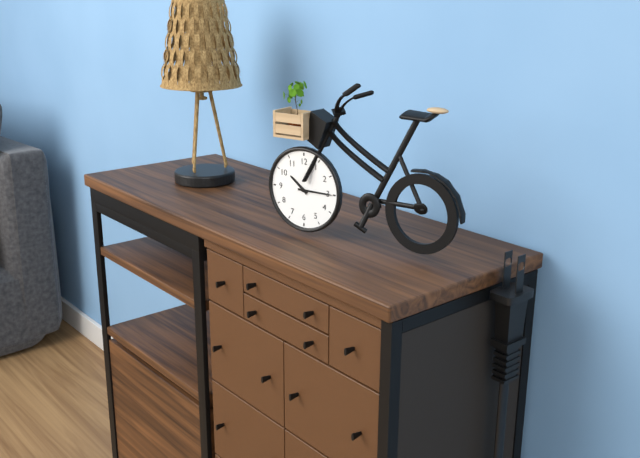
10:15
